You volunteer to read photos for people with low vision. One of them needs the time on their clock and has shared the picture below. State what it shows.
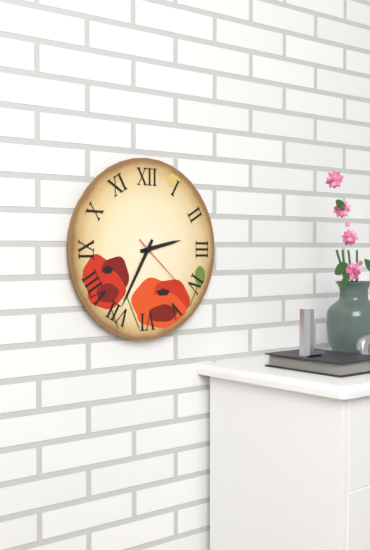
2:35:22
